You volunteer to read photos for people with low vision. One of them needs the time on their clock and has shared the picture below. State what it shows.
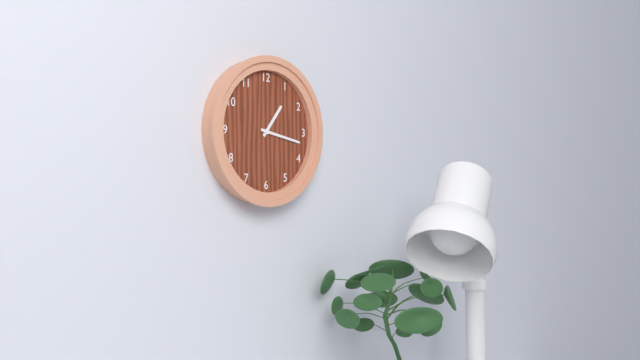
1:17
